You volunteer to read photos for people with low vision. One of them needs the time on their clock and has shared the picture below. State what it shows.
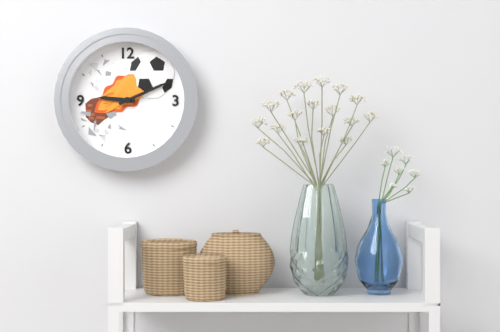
9:11
